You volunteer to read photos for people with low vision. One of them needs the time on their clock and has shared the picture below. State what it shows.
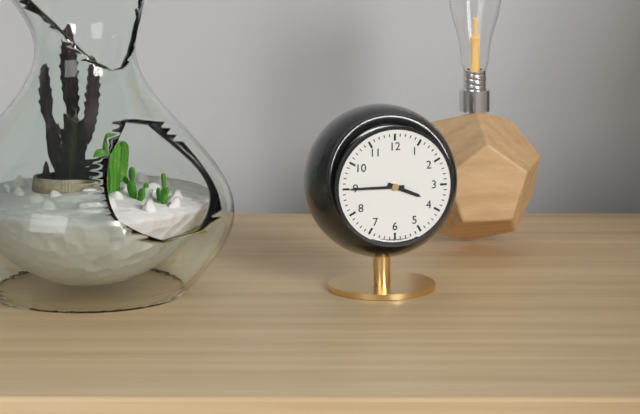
3:45
